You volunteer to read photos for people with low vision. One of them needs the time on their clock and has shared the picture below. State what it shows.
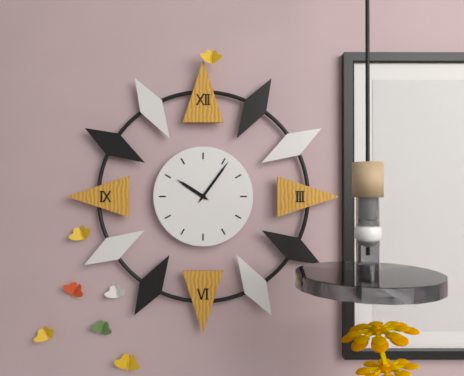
10:06
